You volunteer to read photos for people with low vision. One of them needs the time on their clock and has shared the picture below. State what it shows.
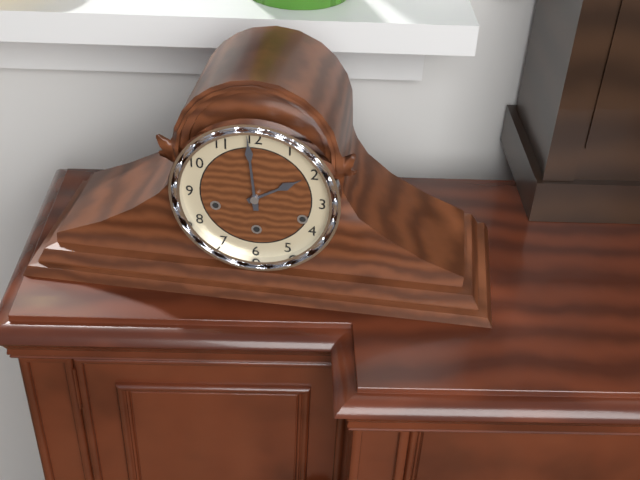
1:59
